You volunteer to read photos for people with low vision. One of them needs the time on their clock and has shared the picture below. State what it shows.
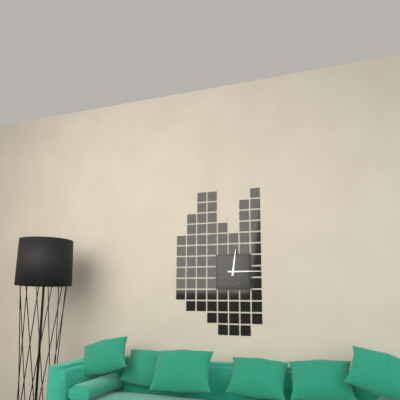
12:15
